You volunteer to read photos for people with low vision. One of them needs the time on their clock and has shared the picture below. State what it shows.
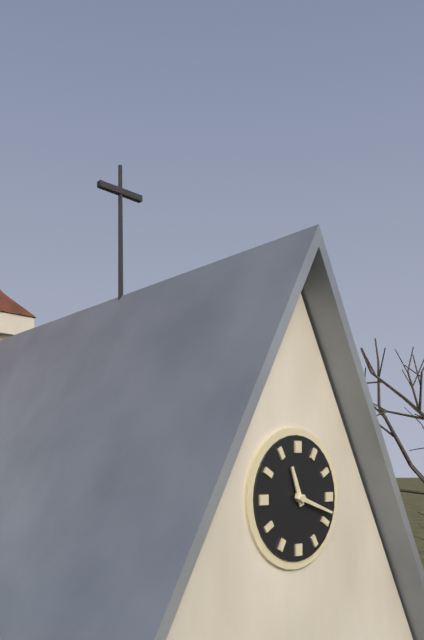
11:18
